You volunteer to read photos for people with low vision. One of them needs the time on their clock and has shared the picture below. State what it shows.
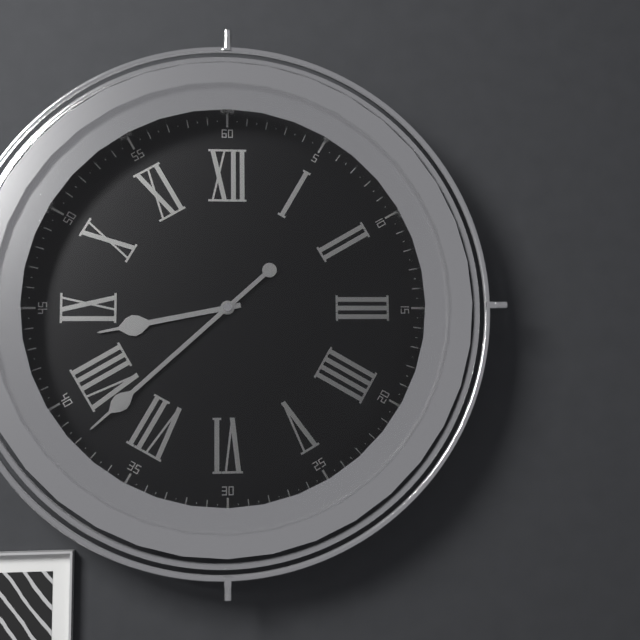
8:38
